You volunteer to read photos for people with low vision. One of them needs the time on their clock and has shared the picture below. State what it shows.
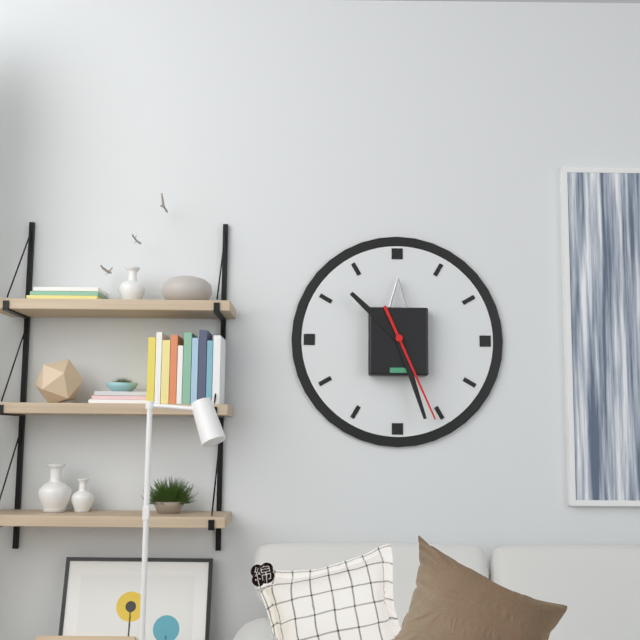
10:27:26
